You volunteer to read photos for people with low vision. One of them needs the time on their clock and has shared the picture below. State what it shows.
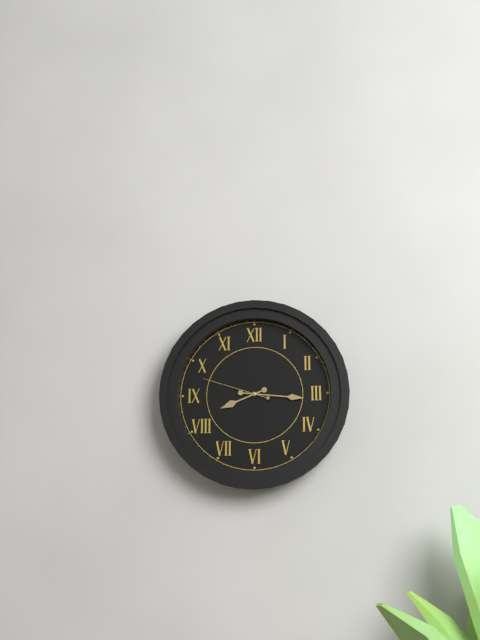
8:16:48
